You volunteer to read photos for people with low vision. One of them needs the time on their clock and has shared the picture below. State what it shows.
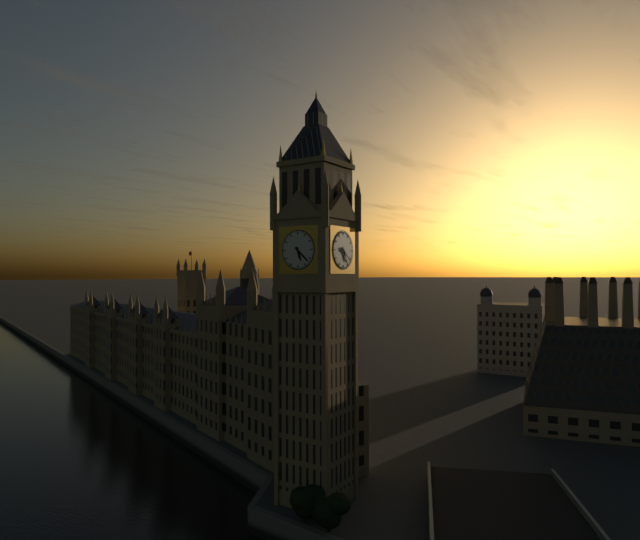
5:22
